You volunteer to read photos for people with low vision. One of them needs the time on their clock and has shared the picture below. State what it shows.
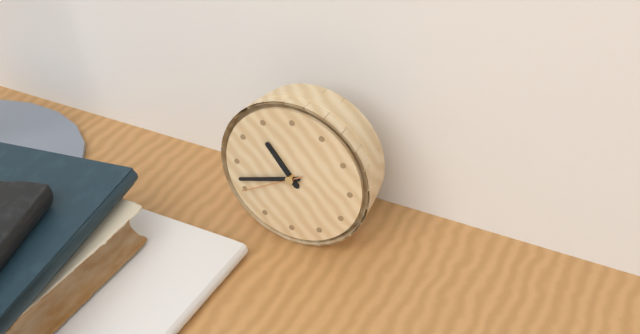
10:42:40
